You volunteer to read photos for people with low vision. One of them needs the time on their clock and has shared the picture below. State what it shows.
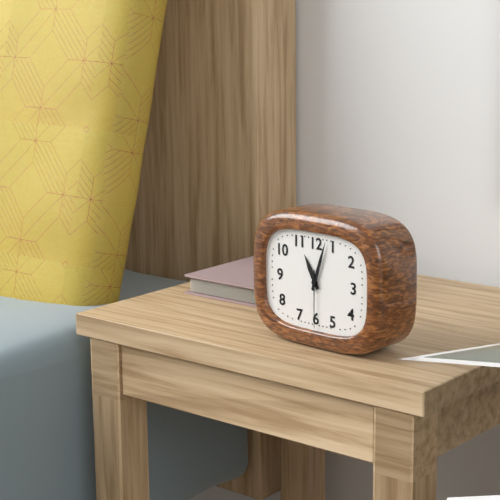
11:03:30
